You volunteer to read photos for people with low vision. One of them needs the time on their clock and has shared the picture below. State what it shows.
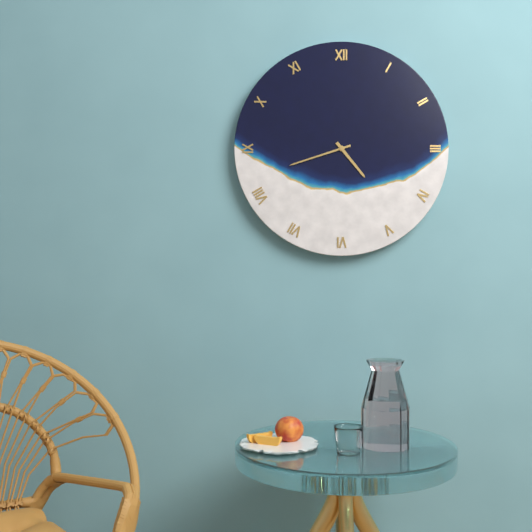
4:42
